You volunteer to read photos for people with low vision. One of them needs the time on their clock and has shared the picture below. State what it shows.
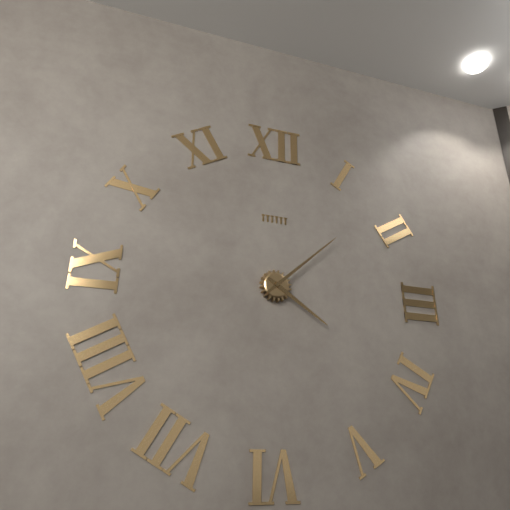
4:08
